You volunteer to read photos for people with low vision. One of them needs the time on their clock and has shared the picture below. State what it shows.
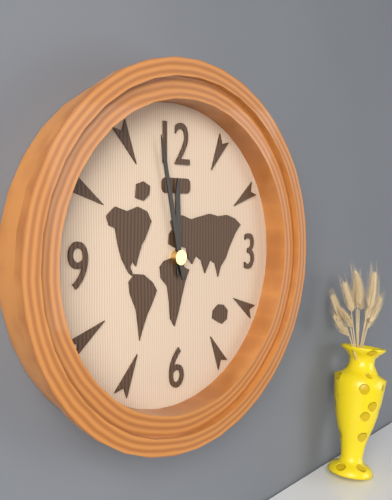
11:58
